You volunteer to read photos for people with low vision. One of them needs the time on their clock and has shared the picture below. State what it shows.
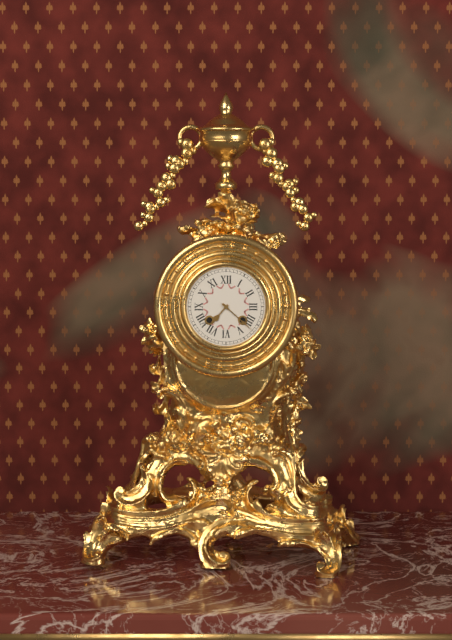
7:22
